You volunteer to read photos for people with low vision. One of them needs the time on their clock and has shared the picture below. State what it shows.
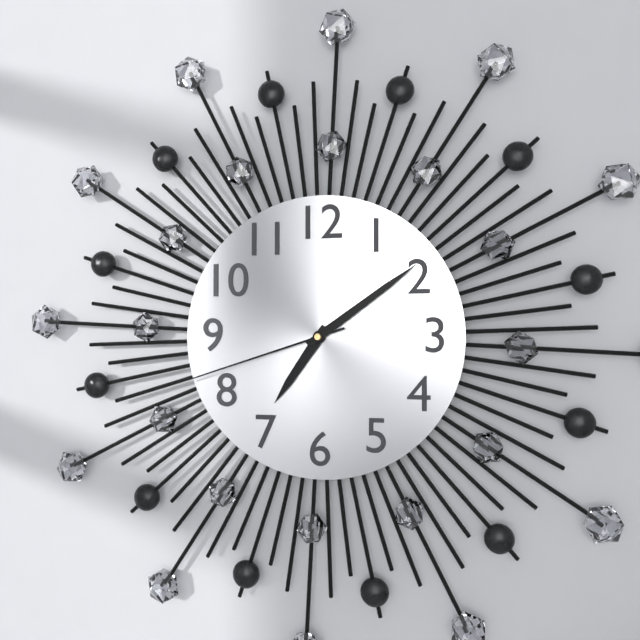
7:09:42
